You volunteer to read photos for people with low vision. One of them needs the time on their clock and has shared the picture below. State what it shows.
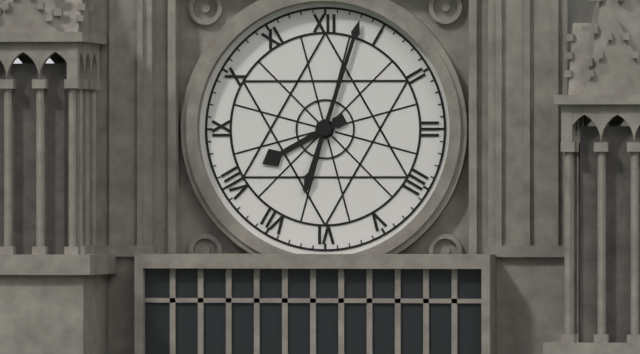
8:03
